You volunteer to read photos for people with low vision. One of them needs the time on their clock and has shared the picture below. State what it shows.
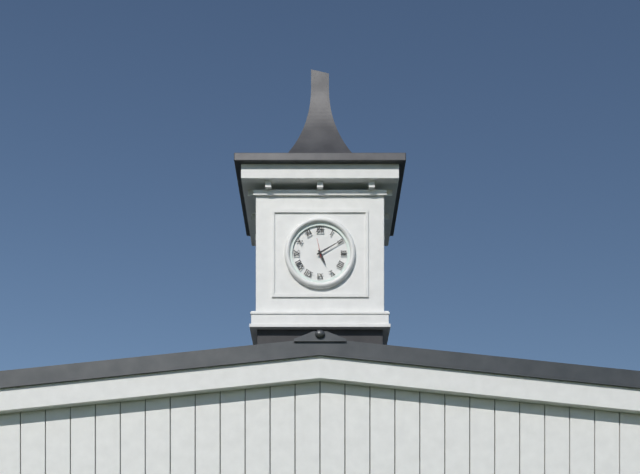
5:10
